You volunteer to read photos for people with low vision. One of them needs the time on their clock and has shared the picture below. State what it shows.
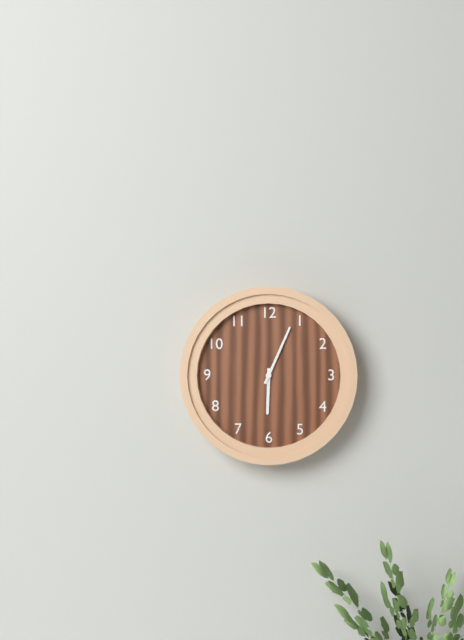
6:04
